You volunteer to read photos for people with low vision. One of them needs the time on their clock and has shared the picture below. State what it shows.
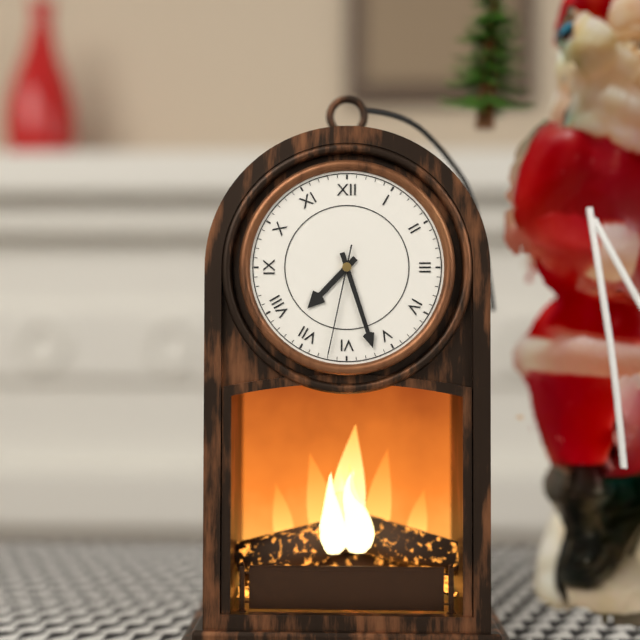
7:27:32
